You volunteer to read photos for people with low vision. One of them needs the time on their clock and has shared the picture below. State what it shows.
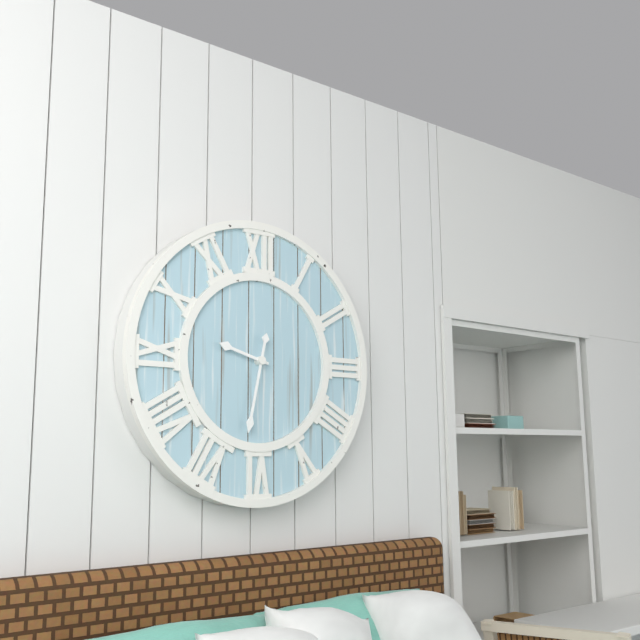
9:32
